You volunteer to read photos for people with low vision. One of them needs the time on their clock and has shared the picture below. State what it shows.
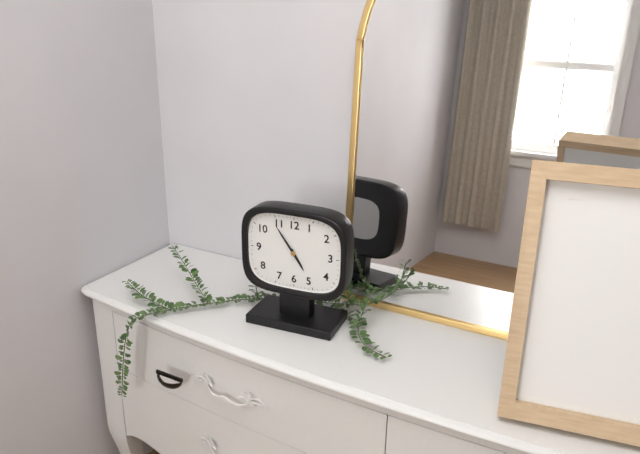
4:54
